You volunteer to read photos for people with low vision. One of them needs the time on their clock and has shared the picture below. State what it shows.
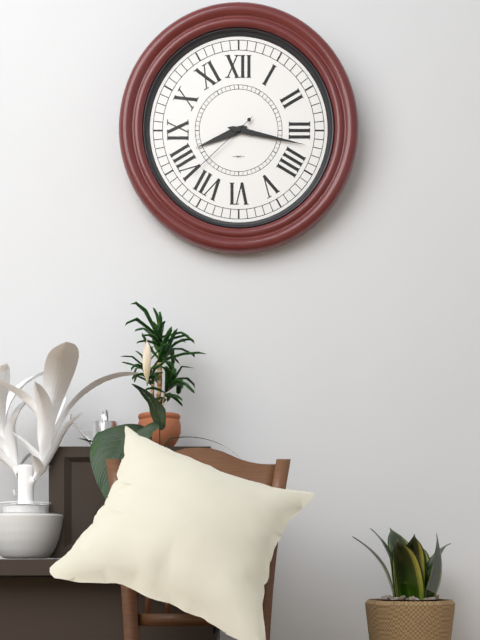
8:17:38
